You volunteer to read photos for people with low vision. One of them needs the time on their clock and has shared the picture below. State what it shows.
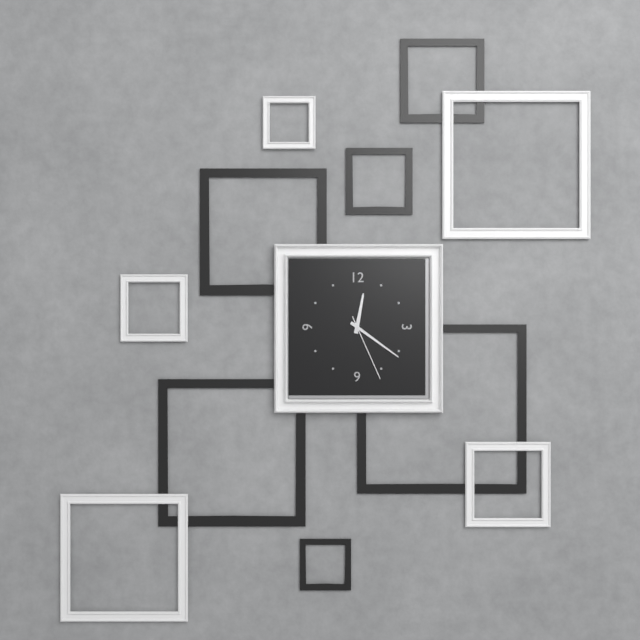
12:21:26
